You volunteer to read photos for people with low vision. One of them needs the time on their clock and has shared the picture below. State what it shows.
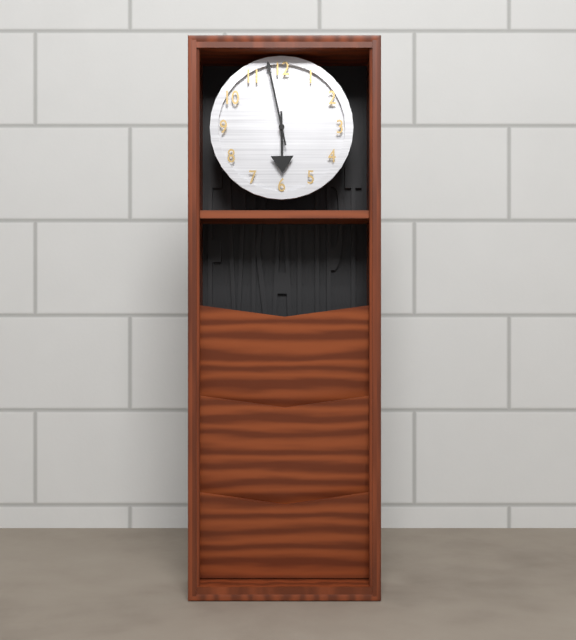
5:58
